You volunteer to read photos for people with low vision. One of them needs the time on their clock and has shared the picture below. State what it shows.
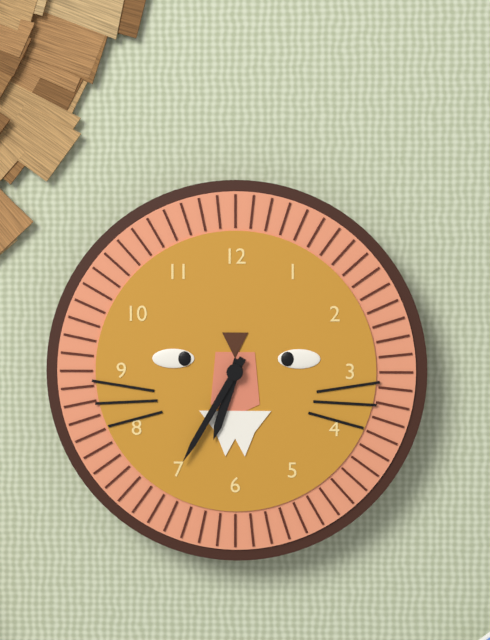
6:35
